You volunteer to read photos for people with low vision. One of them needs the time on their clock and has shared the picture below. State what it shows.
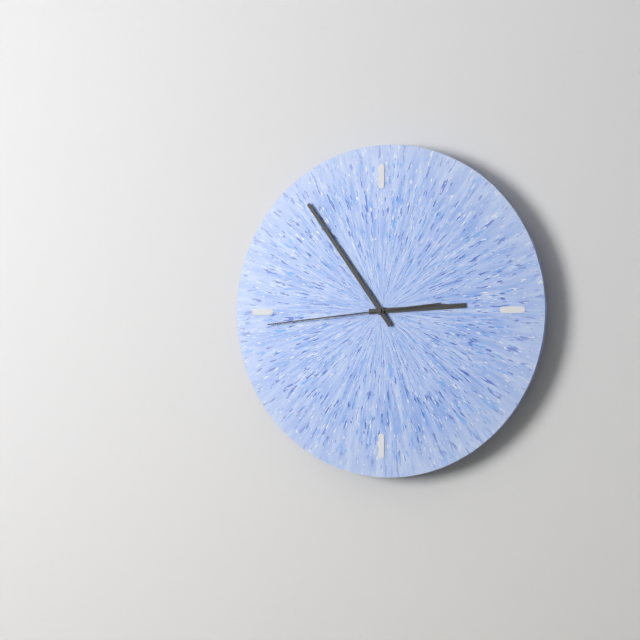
2:54:44
